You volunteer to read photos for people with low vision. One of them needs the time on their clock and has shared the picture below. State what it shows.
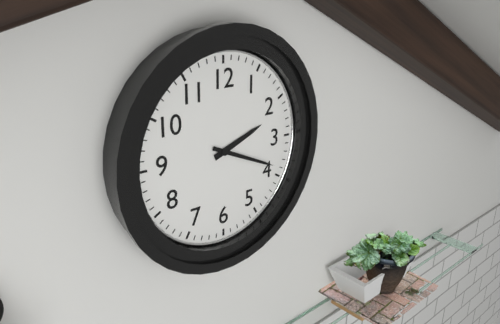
2:19
